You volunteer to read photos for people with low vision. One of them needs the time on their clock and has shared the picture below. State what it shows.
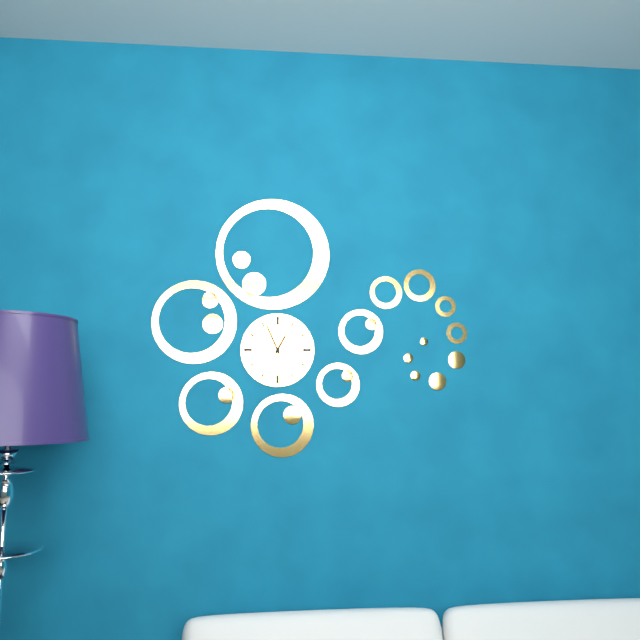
12:56
